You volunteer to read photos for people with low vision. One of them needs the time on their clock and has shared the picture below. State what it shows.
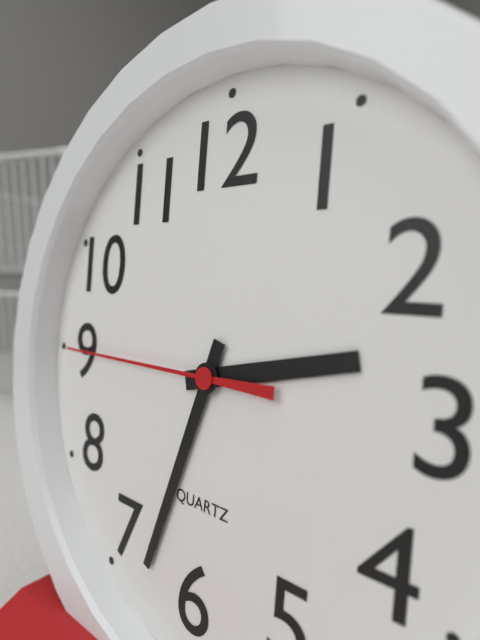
2:33:45
